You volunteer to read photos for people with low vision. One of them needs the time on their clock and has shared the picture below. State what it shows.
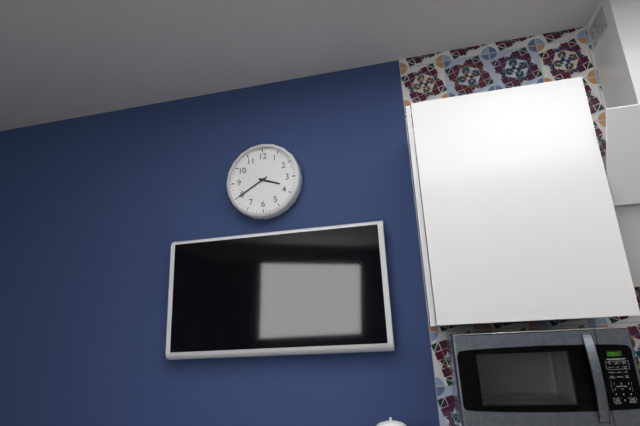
3:40
